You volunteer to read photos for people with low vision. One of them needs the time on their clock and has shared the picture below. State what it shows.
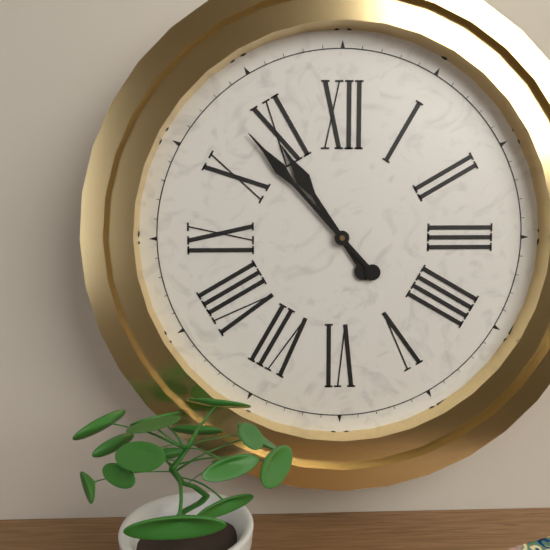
10:53
